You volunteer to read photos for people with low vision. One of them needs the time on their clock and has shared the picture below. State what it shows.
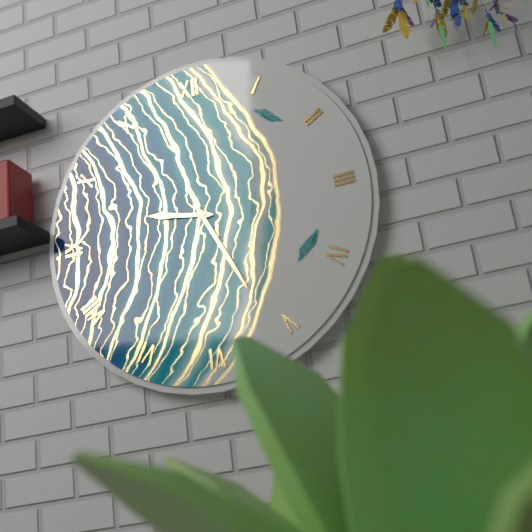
9:26
